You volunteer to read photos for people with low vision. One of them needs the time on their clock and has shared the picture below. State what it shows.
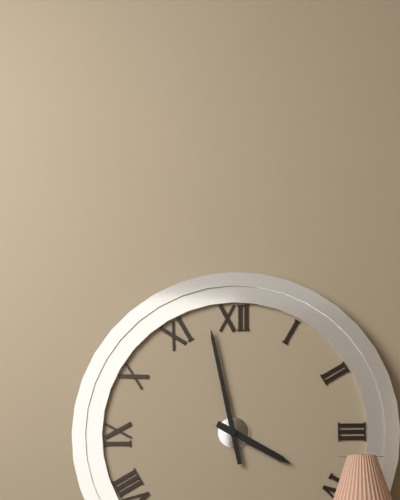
3:58
